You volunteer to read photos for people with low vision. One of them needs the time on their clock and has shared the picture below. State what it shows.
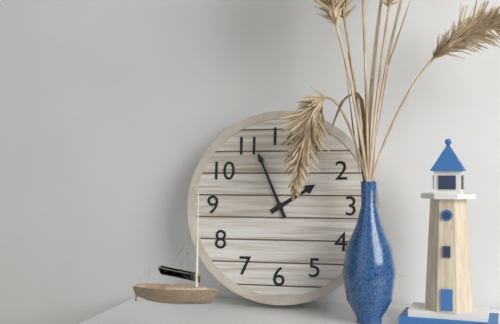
1:56
